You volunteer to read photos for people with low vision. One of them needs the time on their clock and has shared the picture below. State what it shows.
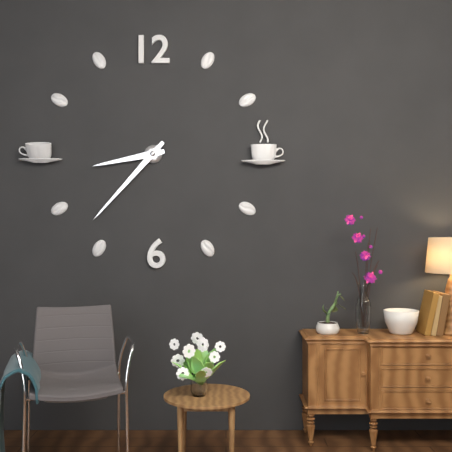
8:37
